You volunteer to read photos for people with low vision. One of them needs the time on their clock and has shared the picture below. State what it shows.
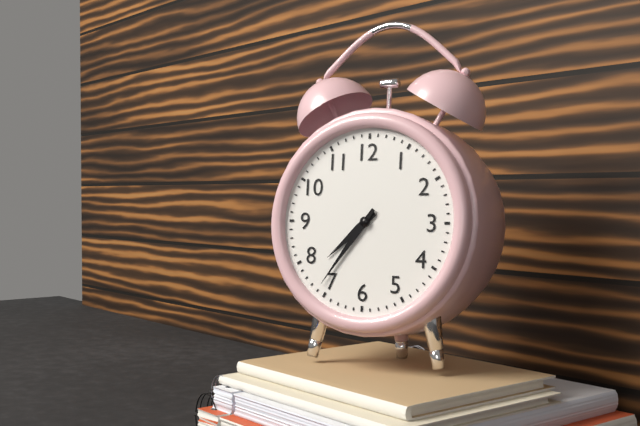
7:36
